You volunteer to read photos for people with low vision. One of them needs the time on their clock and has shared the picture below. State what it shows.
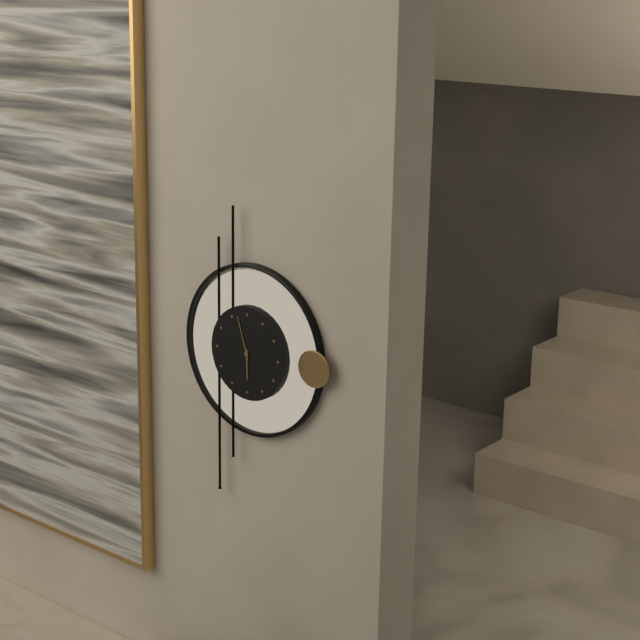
5:57
